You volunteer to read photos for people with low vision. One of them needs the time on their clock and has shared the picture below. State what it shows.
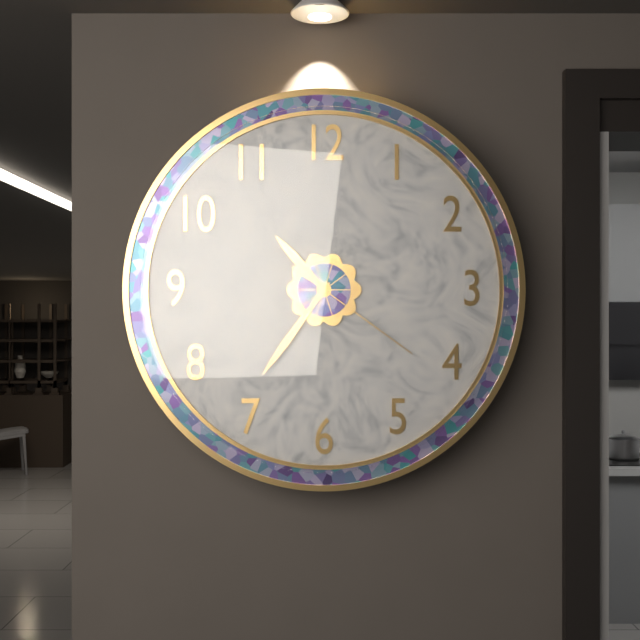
10:36:21
